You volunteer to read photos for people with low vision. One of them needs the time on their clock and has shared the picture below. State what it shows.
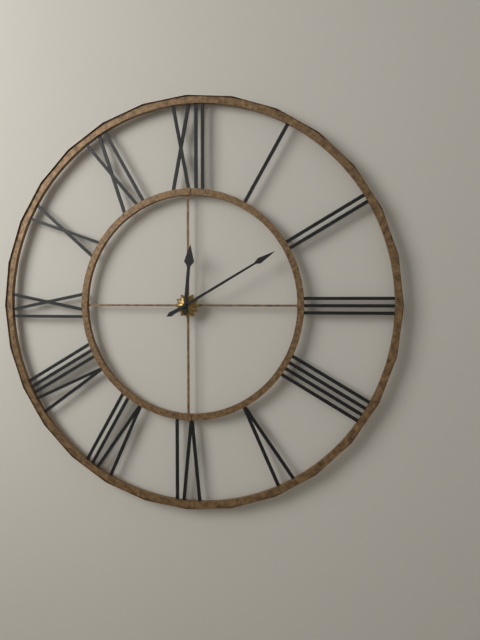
12:10
